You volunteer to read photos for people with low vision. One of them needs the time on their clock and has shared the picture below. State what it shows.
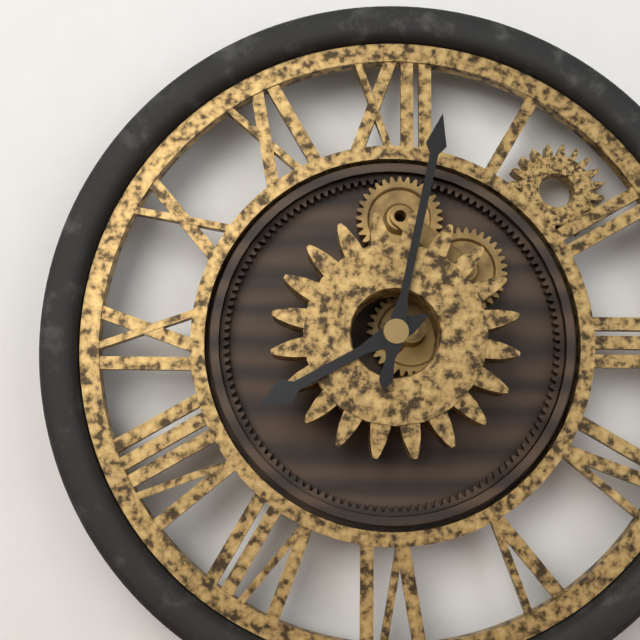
8:02
